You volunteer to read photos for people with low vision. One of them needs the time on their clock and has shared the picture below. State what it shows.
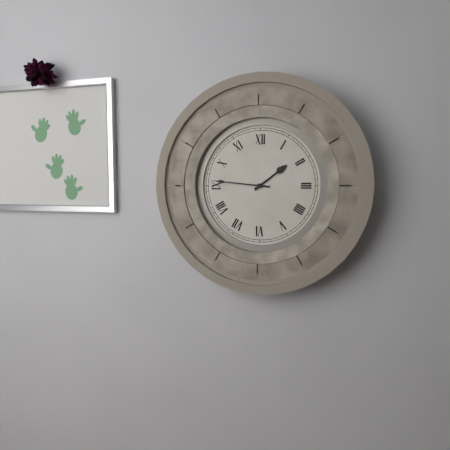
1:46
